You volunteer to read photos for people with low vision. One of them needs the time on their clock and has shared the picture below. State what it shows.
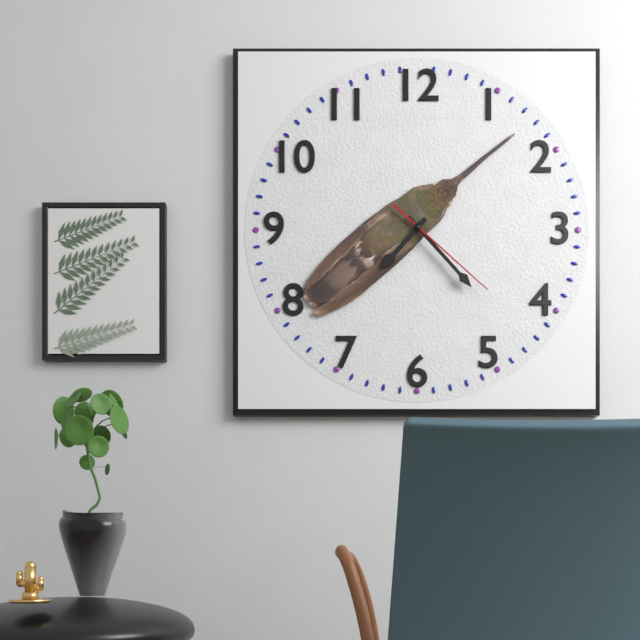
7:23:22
